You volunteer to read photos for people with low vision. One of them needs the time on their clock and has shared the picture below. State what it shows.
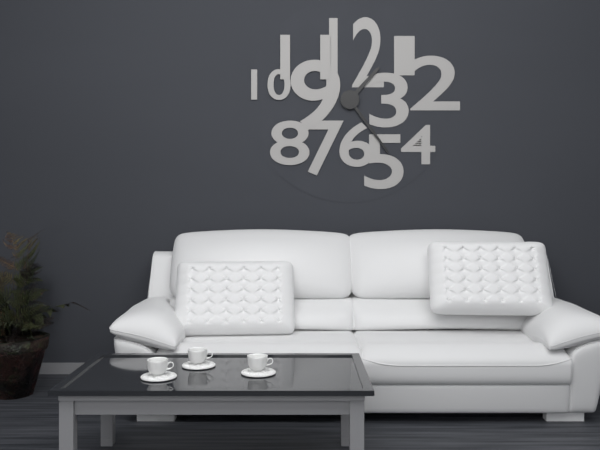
1:24
